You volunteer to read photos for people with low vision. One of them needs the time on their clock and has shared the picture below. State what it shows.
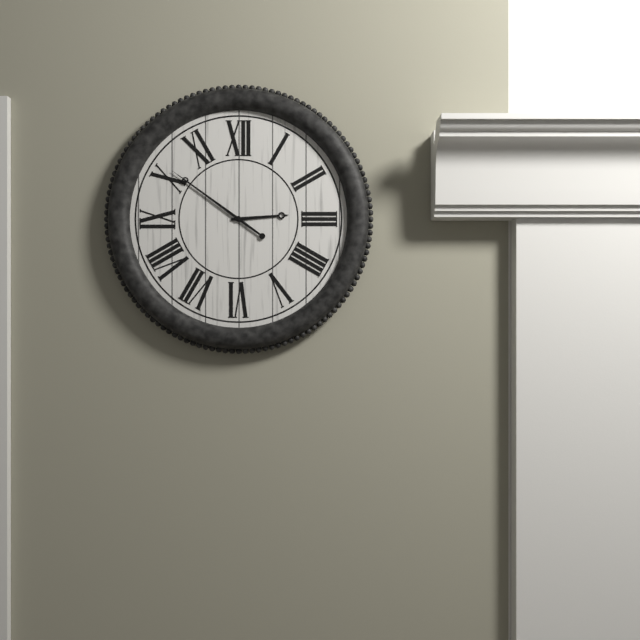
2:51
